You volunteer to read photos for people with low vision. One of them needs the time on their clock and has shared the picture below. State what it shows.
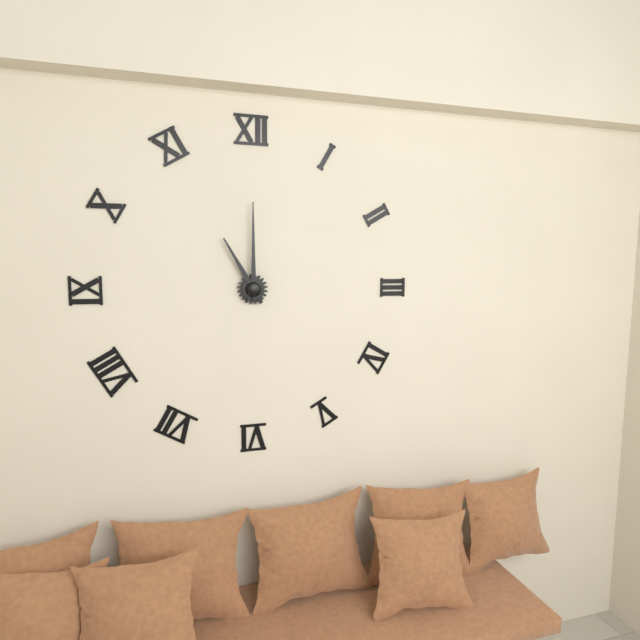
11:00
